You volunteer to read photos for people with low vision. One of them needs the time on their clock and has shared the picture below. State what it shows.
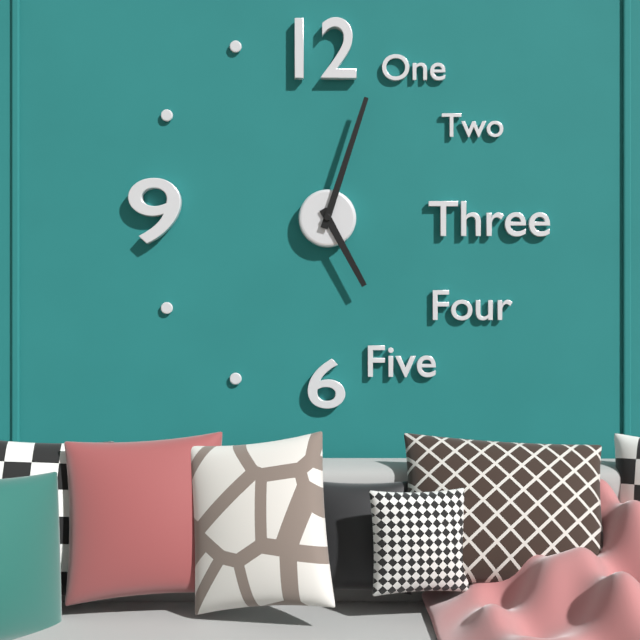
5:03
